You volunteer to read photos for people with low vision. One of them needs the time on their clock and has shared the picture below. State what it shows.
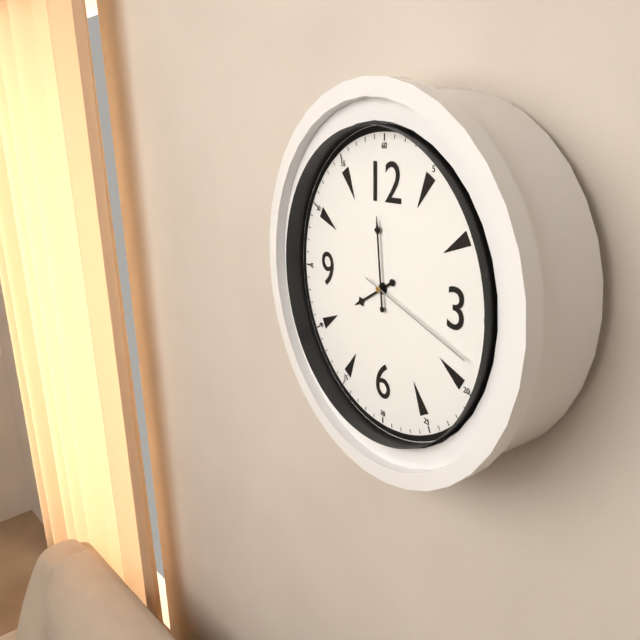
7:59:18
